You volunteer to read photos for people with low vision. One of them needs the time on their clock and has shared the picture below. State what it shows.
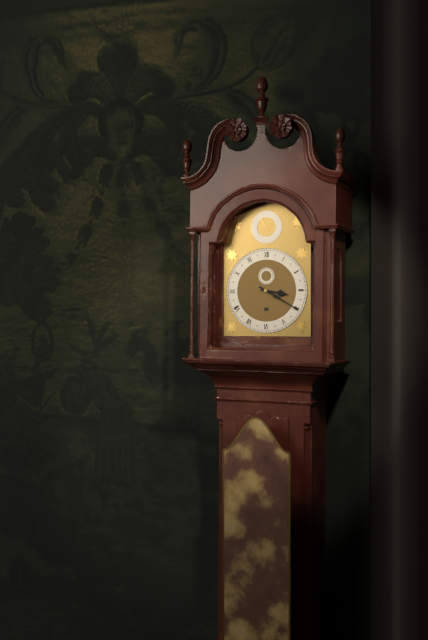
3:20
